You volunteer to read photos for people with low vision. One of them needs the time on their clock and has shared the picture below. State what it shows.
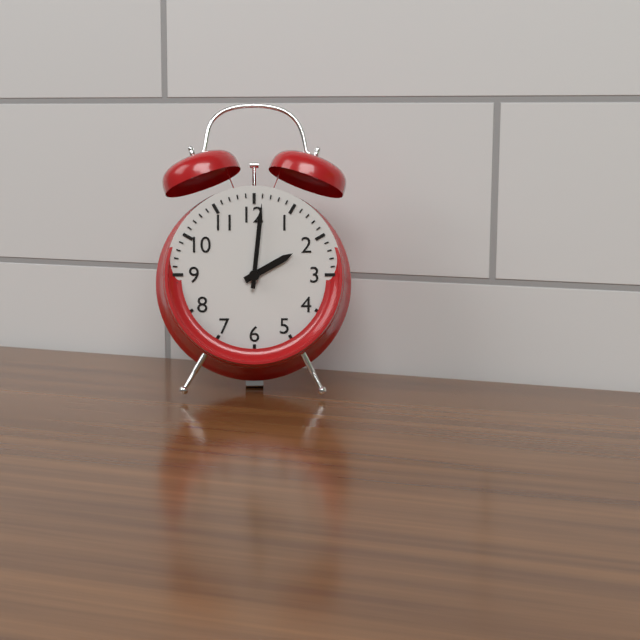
2:01
